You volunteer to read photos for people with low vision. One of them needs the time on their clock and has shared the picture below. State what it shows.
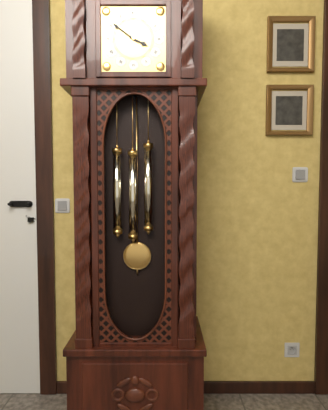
3:51
